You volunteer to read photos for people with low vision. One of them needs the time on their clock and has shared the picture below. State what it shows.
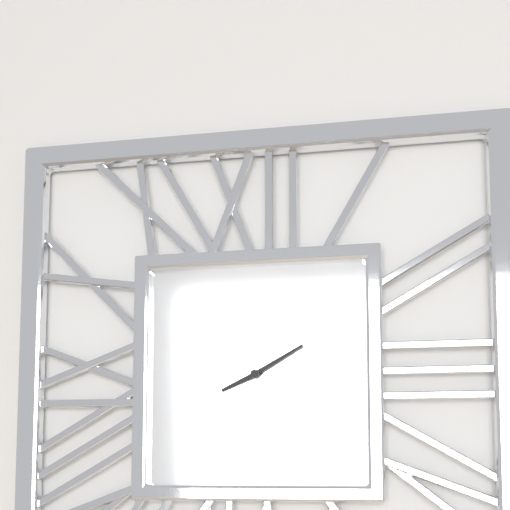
8:10
